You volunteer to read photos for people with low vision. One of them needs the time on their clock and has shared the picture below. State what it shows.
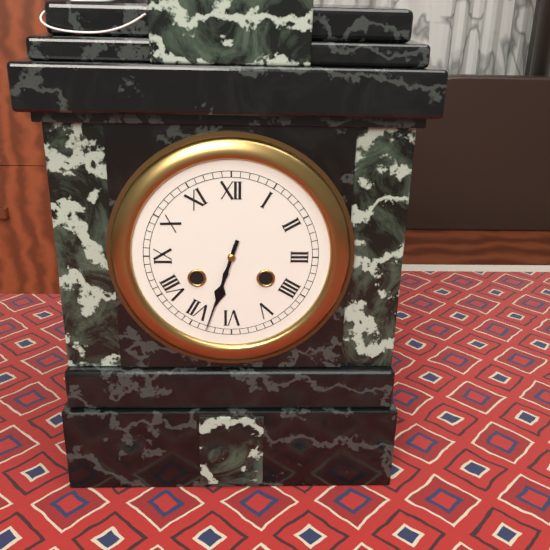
6:33
